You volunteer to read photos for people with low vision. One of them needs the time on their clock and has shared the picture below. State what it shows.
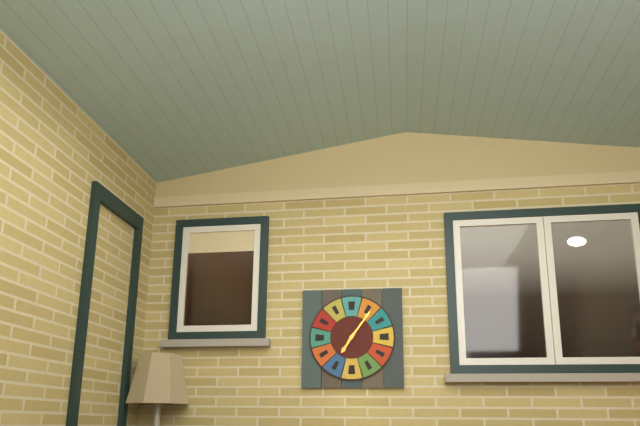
7:06
